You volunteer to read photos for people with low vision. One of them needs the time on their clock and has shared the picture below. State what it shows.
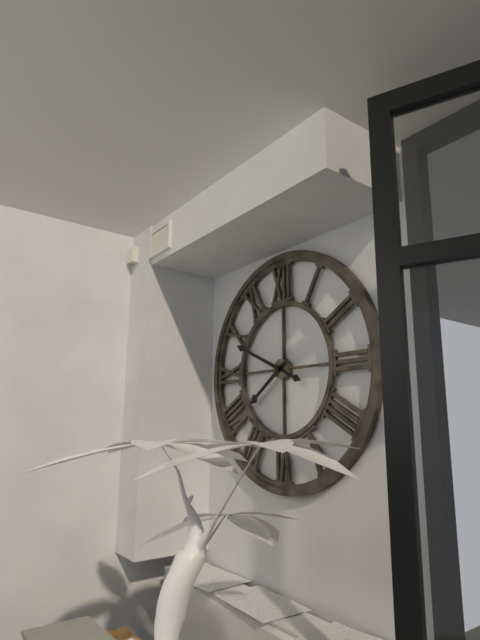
7:49
